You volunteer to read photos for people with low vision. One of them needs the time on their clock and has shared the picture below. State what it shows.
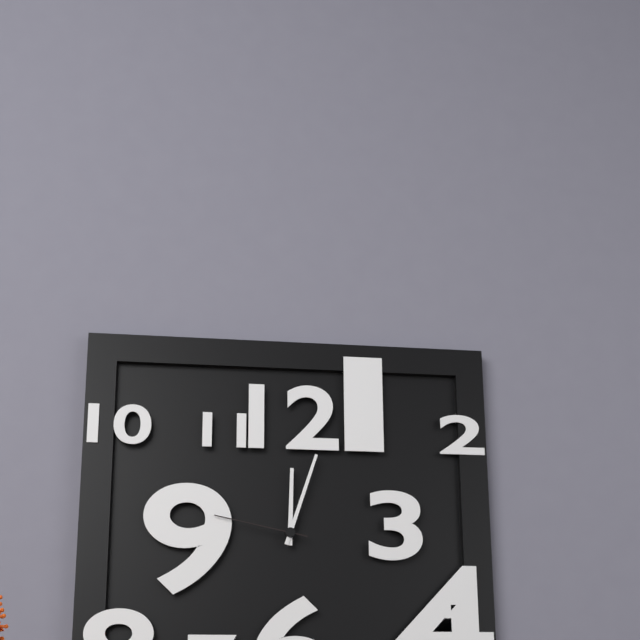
12:03:47
